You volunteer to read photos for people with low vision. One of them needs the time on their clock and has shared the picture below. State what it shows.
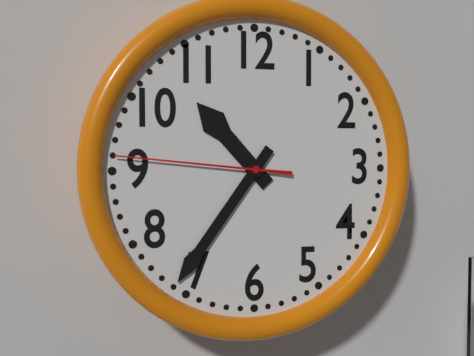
10:36:46
